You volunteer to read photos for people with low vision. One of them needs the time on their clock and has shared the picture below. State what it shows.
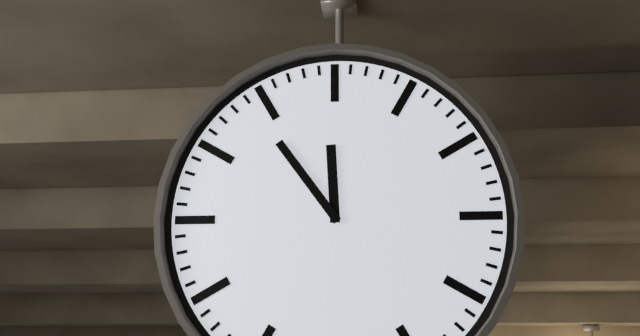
11:54
